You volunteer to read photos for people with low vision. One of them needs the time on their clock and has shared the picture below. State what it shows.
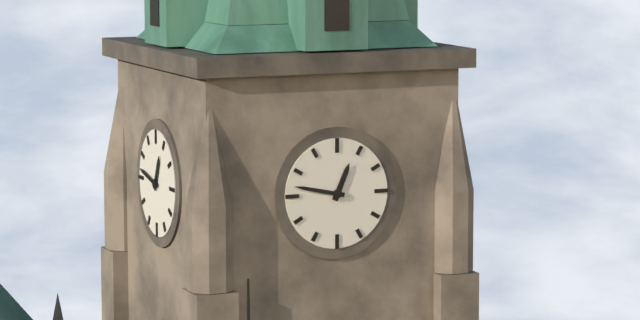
12:47
